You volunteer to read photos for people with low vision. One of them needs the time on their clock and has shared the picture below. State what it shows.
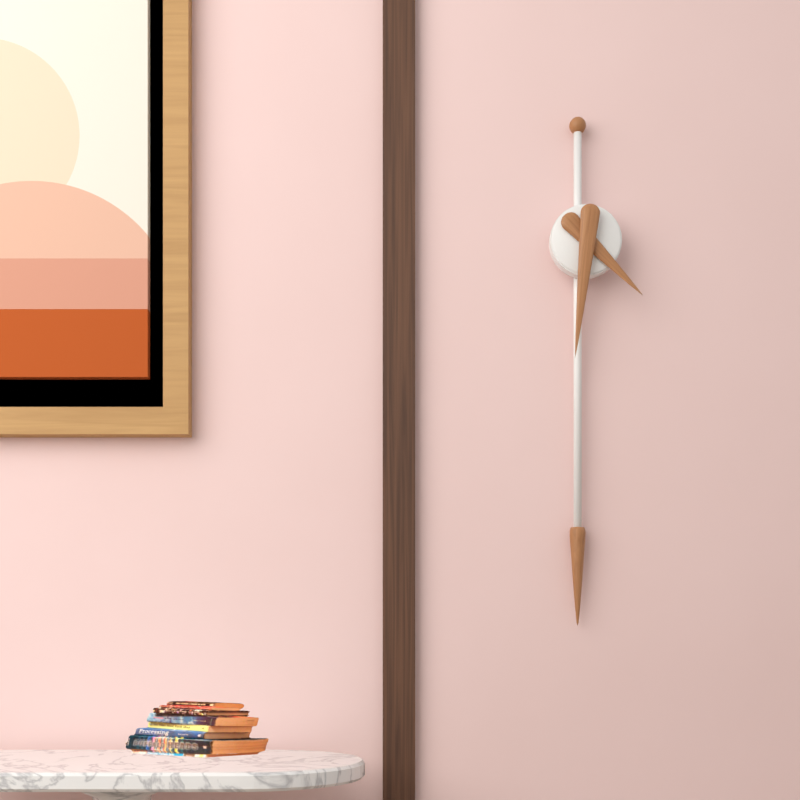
4:31
